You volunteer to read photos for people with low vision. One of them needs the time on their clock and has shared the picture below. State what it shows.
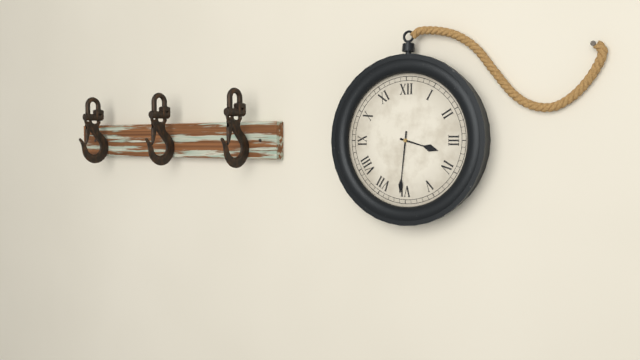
3:31
